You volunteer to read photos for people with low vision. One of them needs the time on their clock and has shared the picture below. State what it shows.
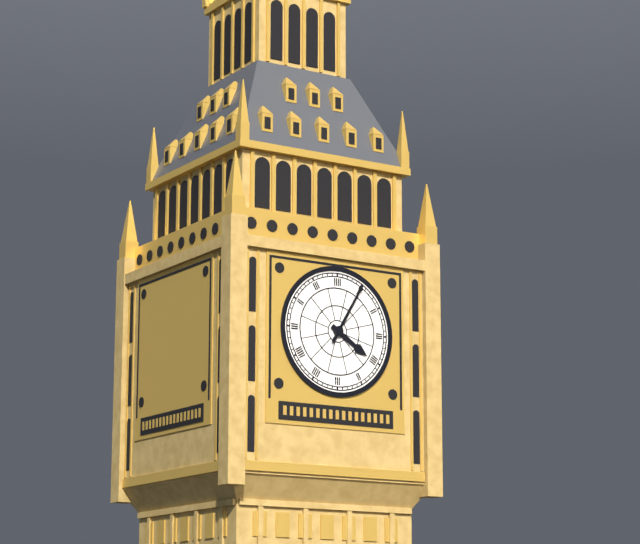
4:05
